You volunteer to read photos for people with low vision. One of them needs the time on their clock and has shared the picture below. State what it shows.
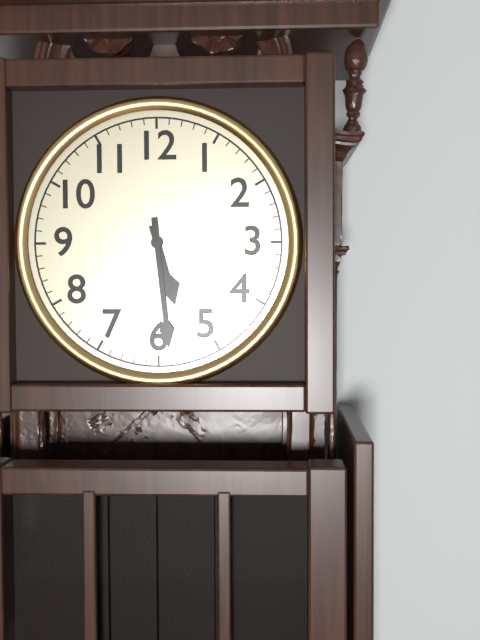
5:29
